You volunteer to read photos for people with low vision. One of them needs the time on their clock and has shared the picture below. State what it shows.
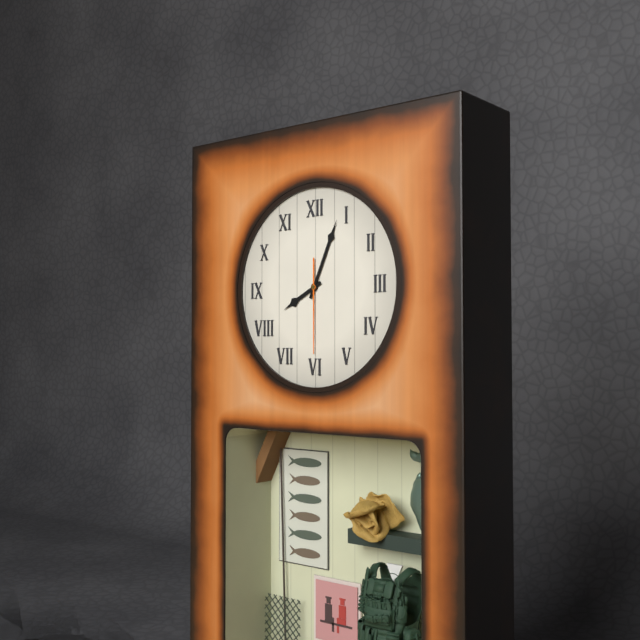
8:04:30
